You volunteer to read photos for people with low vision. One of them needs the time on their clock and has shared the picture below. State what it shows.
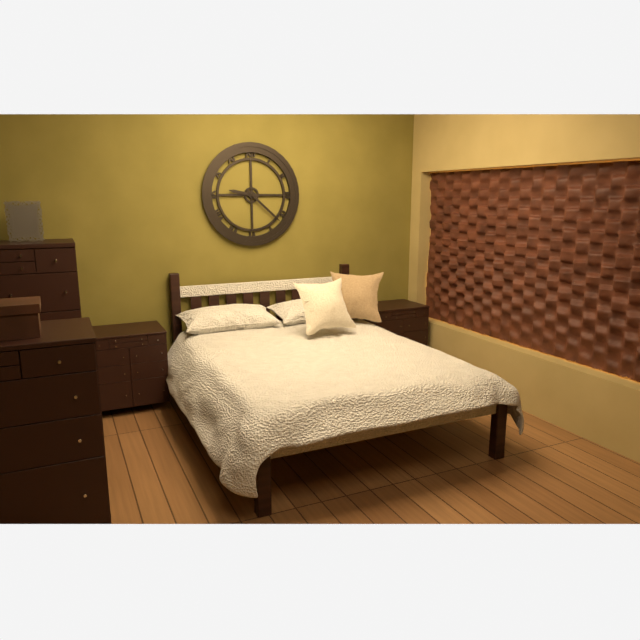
9:22
